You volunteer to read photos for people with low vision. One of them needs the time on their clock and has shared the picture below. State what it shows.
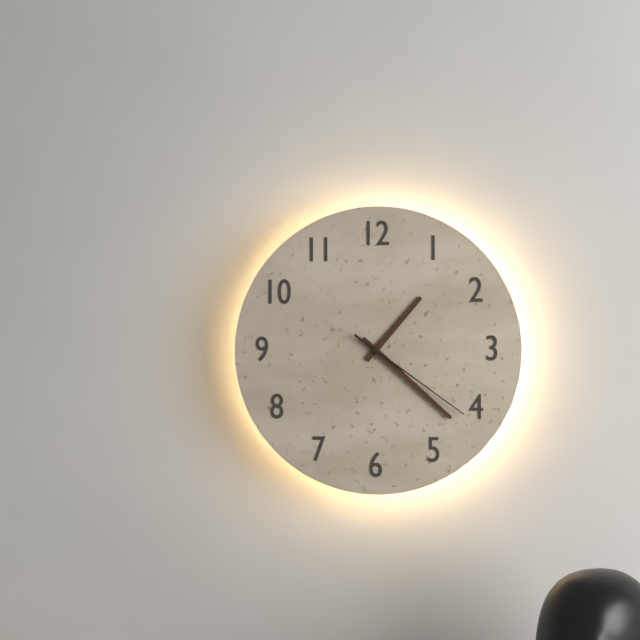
1:22:21
